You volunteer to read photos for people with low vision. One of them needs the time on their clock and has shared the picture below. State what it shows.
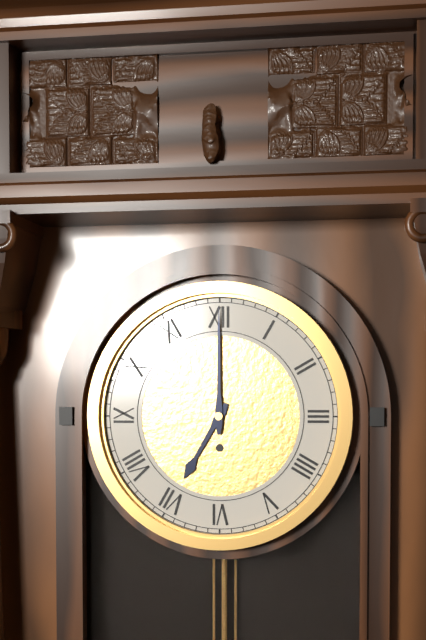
7:00
